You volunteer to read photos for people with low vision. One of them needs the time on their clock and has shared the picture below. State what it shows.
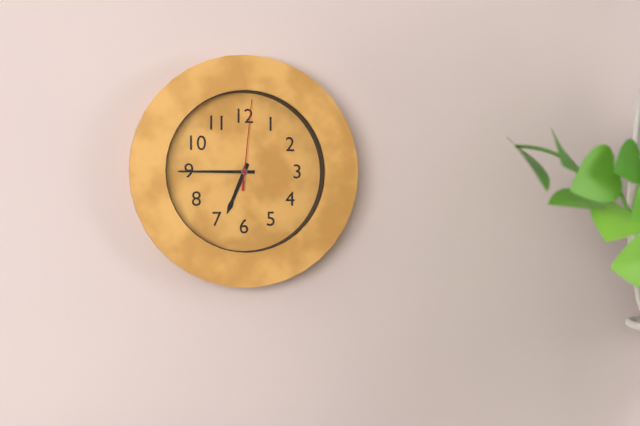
6:45:01
